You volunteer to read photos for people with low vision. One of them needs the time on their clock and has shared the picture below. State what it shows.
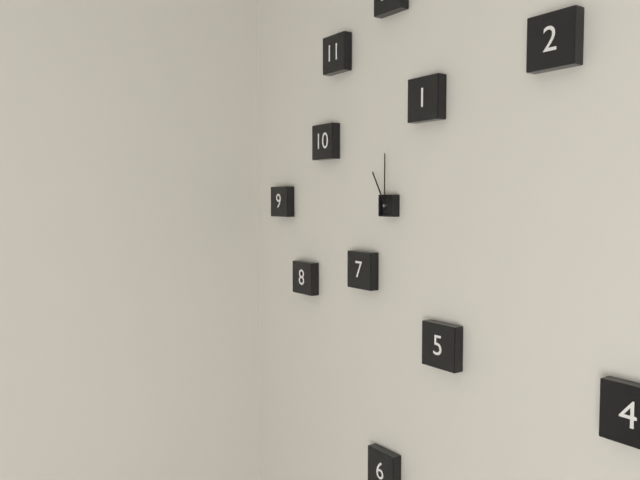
11:00
